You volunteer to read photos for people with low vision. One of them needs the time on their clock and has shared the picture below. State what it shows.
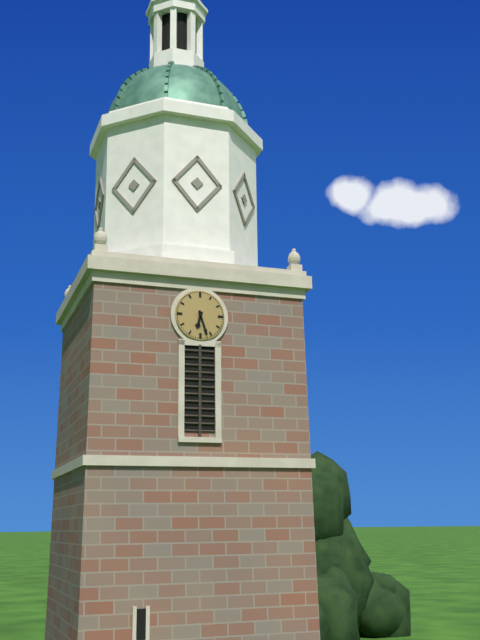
6:27
